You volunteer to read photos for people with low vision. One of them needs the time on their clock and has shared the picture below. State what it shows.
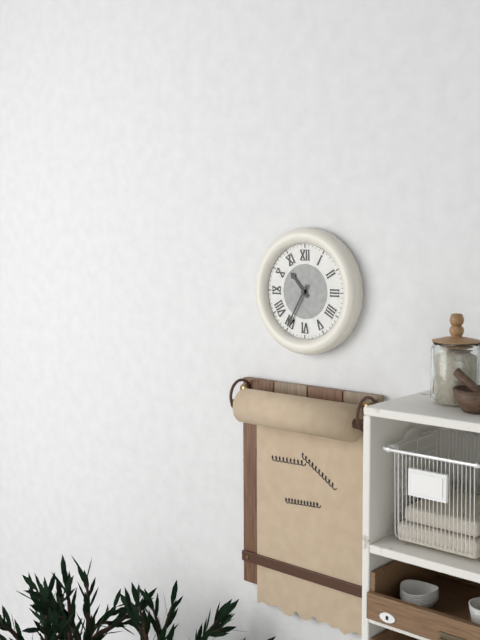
10:35
